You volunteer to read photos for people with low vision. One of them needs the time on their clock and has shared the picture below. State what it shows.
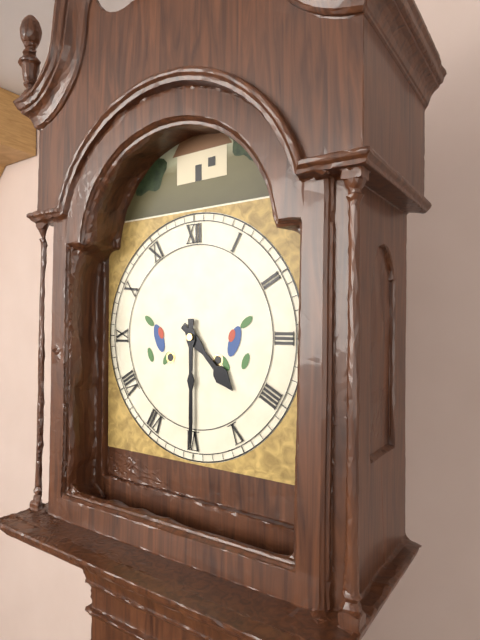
4:30
